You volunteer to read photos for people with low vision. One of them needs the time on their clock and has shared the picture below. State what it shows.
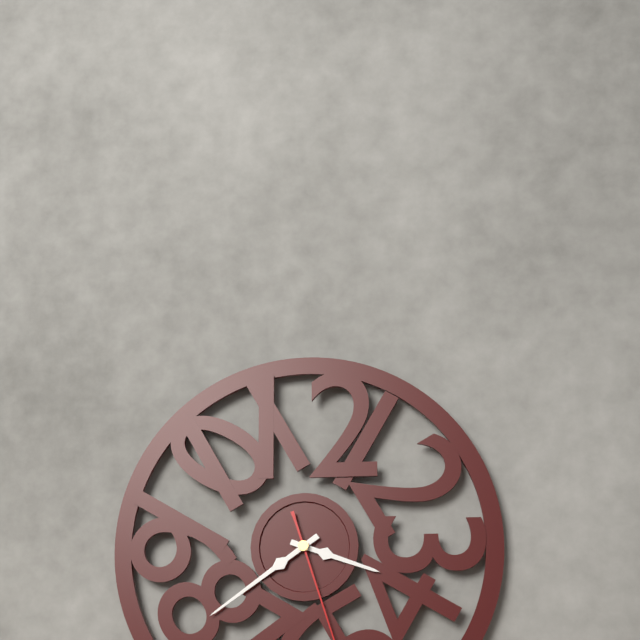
3:39
